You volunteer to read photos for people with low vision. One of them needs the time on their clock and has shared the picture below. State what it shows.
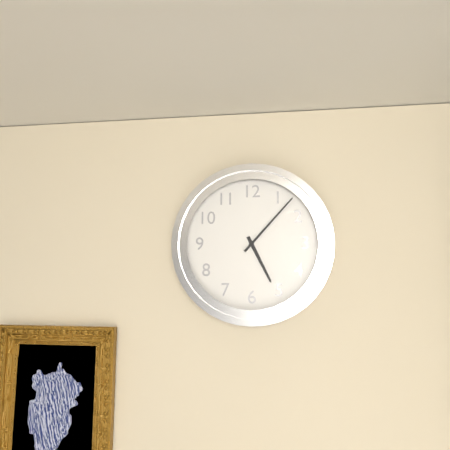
5:07
